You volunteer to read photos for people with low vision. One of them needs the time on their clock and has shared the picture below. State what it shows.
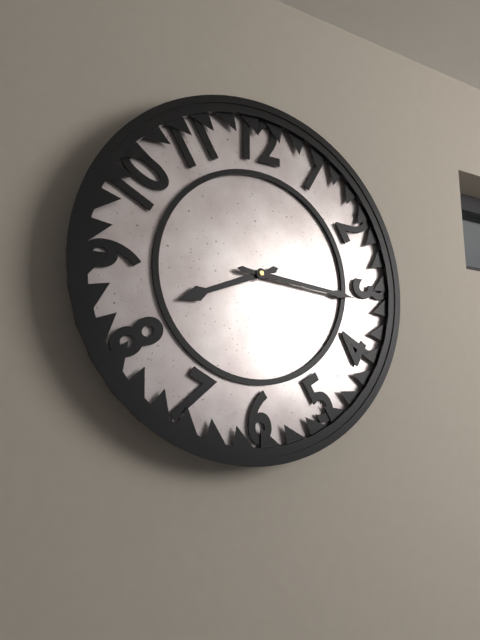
8:16
